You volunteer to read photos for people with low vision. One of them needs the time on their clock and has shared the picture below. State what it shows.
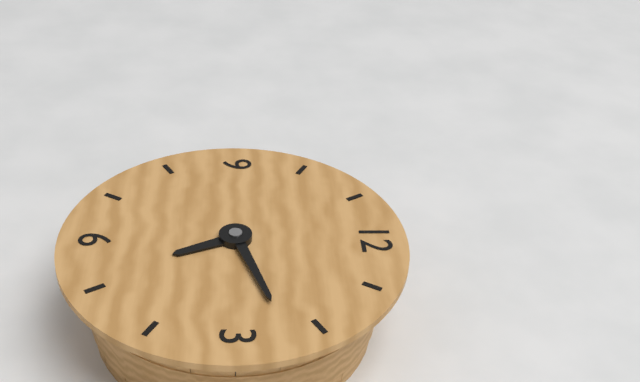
5:12
